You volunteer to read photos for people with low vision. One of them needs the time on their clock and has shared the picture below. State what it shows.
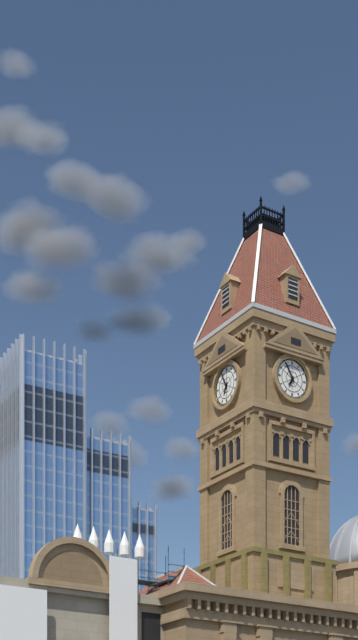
6:55
